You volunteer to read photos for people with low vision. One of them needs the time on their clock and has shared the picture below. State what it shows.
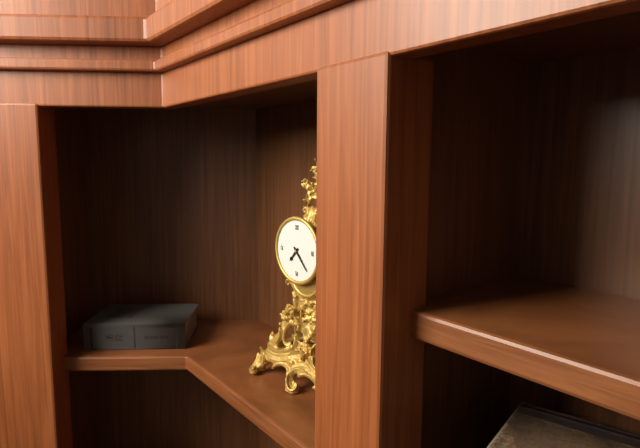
7:23
